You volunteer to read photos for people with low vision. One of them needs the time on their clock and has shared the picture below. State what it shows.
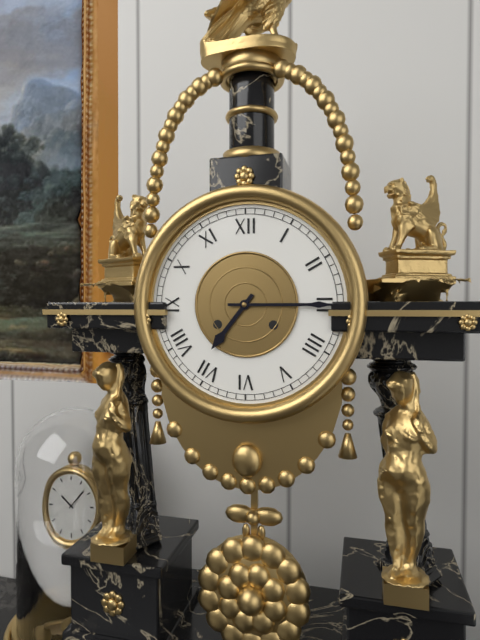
7:15
